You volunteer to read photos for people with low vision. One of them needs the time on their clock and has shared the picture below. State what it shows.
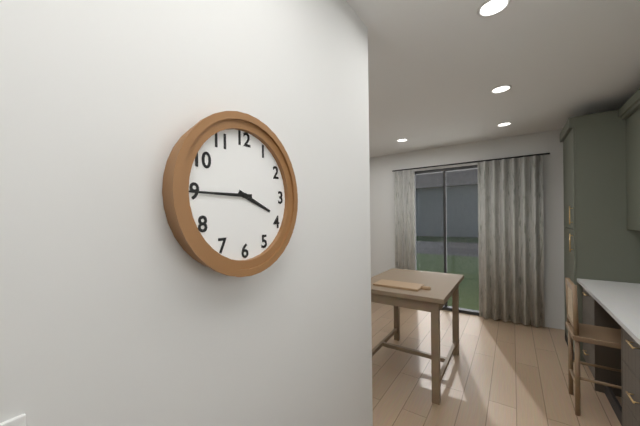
3:45
